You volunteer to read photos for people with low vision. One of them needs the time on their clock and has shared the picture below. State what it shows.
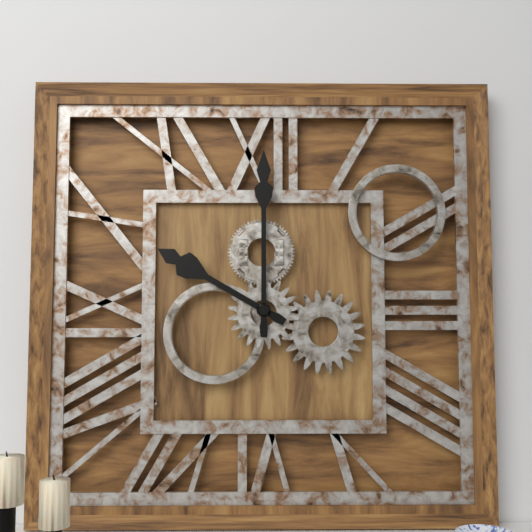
10:00
